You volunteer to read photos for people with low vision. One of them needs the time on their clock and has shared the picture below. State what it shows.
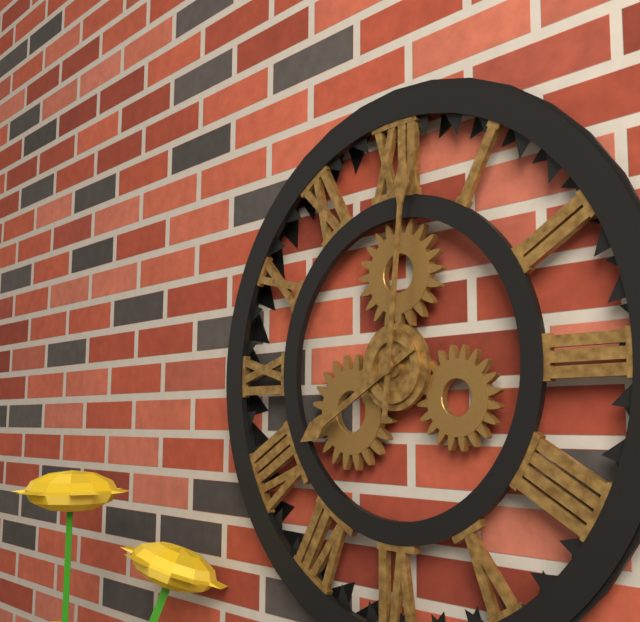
8:01
